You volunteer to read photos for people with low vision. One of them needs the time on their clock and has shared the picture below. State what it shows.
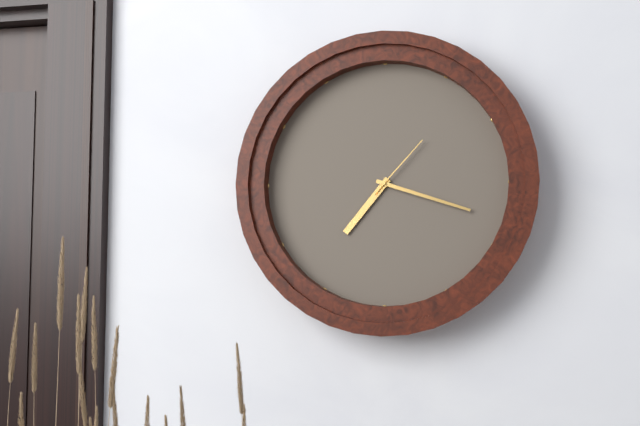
7:18:07
